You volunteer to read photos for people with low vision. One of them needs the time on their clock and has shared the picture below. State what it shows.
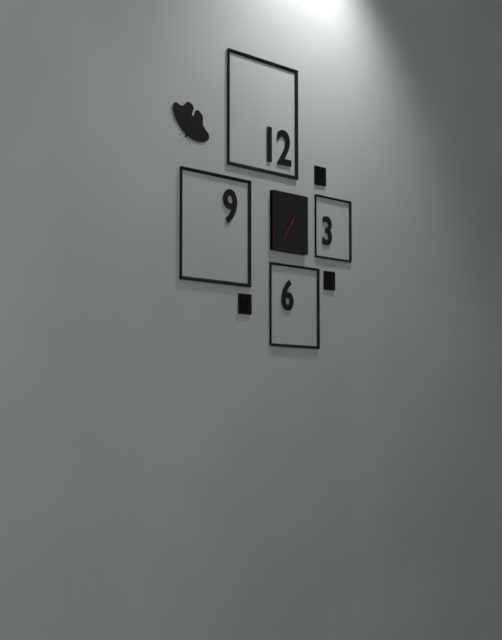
3:08
